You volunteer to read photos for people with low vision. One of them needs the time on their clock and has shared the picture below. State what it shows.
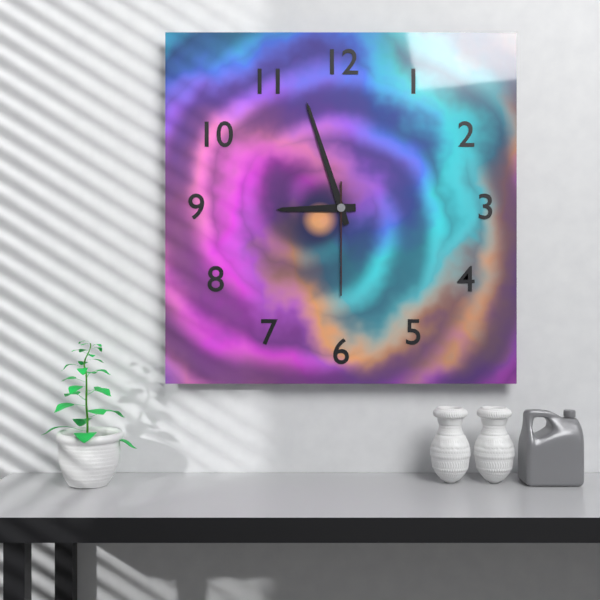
8:57:30
